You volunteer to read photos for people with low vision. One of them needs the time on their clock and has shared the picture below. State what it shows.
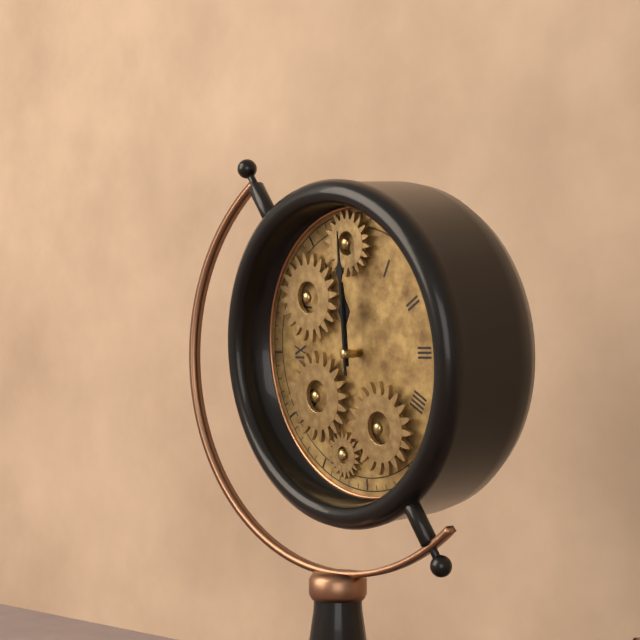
12:00
